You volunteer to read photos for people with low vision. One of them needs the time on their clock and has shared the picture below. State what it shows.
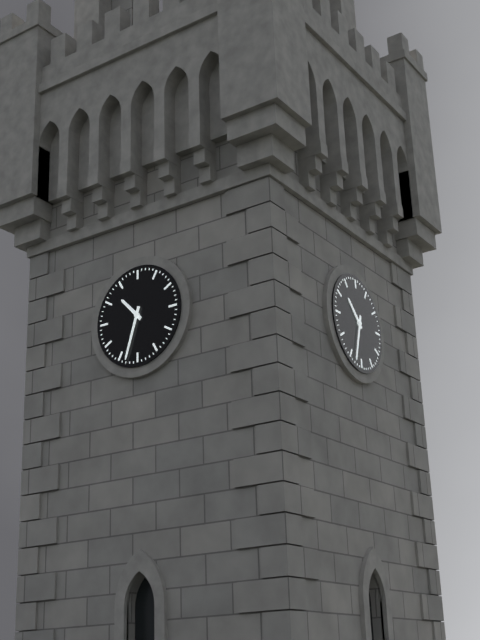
10:33
